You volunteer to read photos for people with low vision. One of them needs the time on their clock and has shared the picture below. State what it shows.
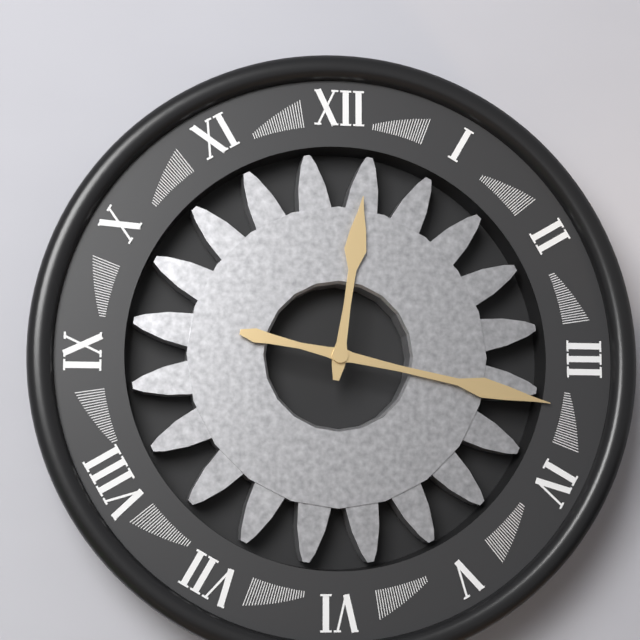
12:17
